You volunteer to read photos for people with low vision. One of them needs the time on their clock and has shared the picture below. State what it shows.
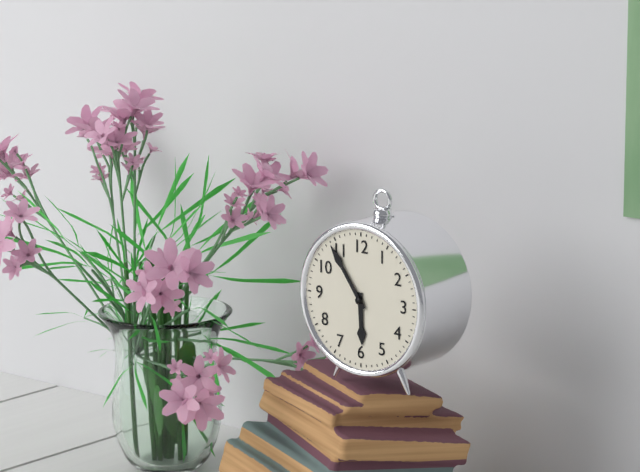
5:54
